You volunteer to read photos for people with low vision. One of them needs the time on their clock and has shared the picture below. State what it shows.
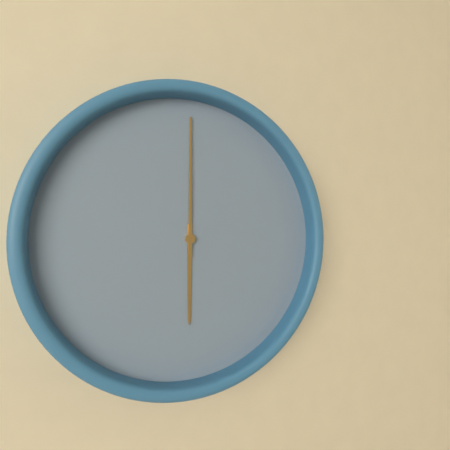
6:00
